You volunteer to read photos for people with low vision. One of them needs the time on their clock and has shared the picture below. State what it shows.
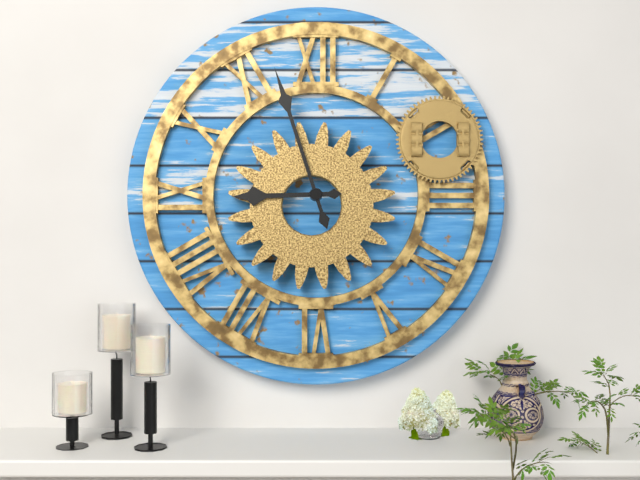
8:57
